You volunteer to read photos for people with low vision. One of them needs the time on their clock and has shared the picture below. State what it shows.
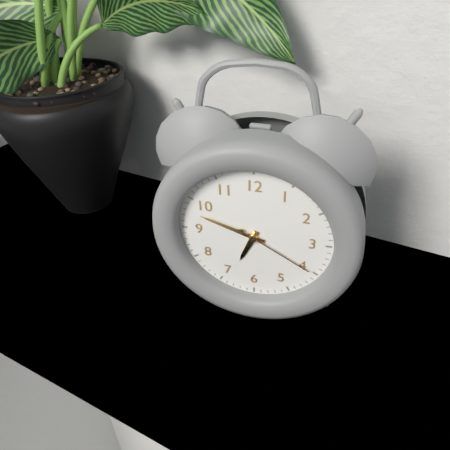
6:48:20
